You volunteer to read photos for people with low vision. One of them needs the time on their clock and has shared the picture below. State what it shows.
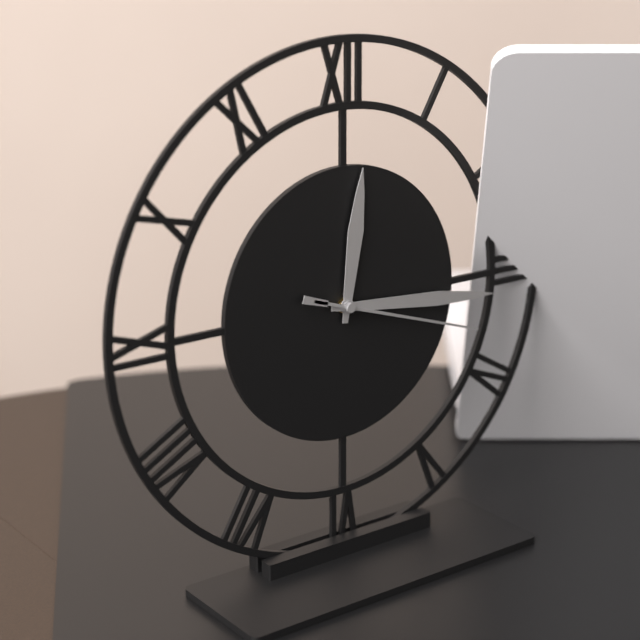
12:16:18
